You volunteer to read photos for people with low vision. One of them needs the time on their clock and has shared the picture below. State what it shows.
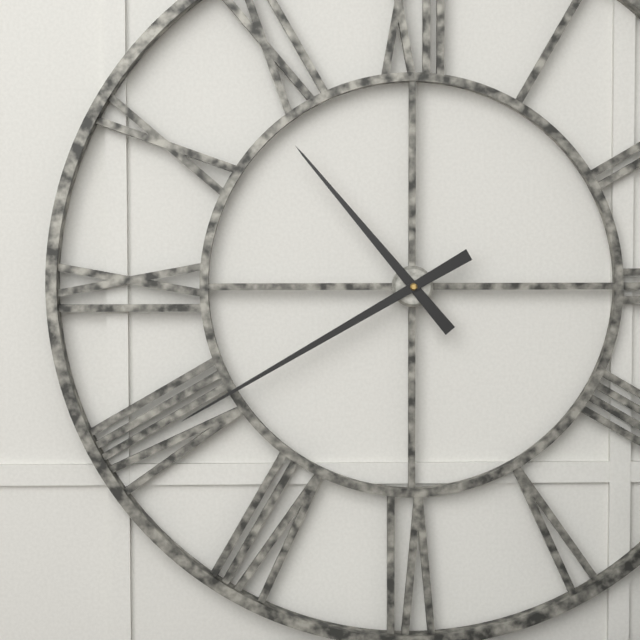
10:40
